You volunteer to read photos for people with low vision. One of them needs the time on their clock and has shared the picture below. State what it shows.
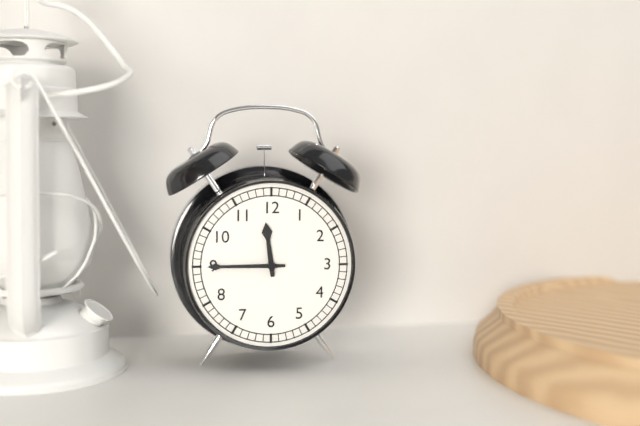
11:45
